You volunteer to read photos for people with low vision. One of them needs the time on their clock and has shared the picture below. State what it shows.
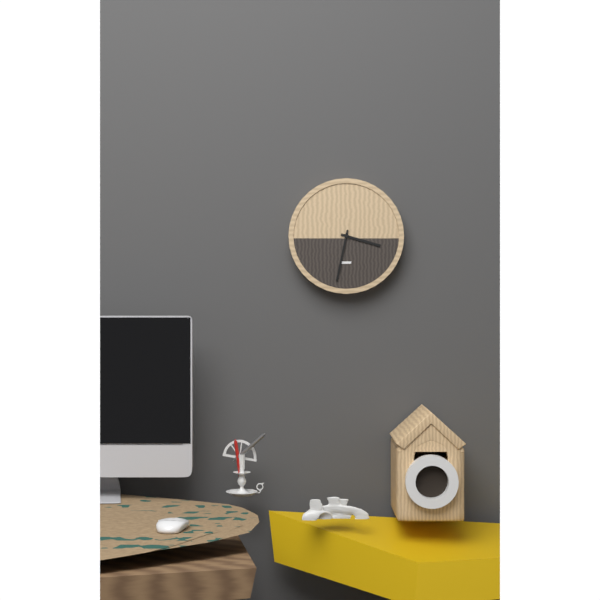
3:32
